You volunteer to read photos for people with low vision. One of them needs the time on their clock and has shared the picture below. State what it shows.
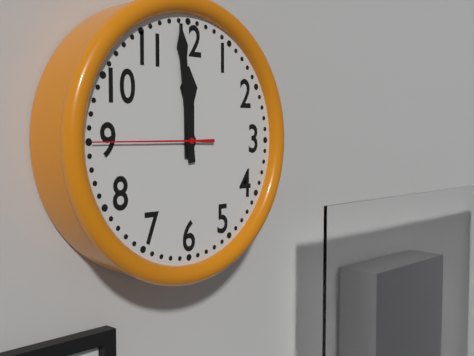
11:59:45
